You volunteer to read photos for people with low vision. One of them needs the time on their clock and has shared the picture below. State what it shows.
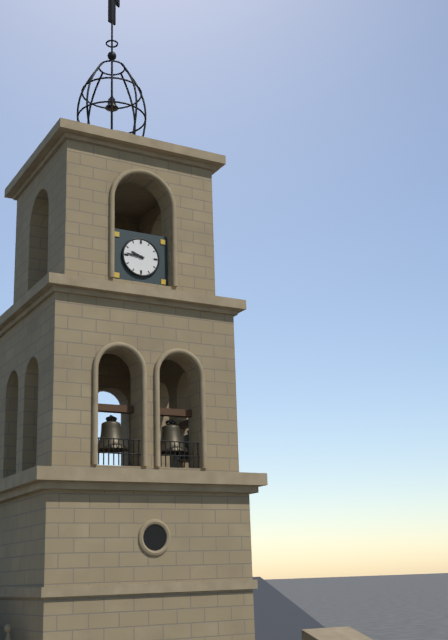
9:46
